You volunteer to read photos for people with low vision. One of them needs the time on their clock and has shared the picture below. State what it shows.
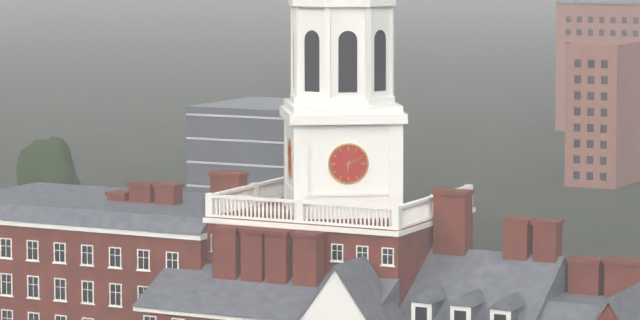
6:11
